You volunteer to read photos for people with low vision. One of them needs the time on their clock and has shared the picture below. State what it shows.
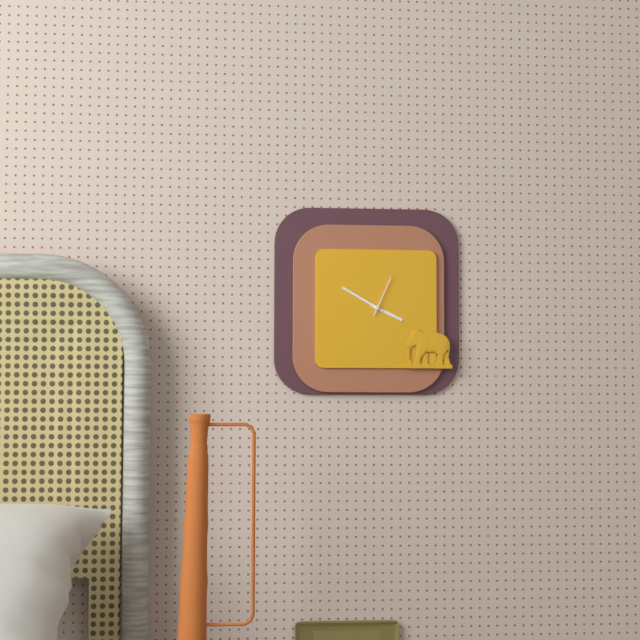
3:50
